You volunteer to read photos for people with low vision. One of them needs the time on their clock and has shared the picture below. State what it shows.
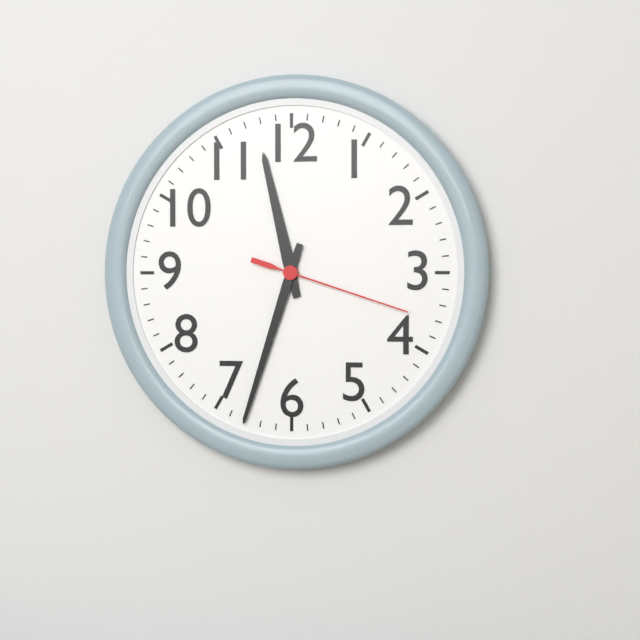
11:33:18
